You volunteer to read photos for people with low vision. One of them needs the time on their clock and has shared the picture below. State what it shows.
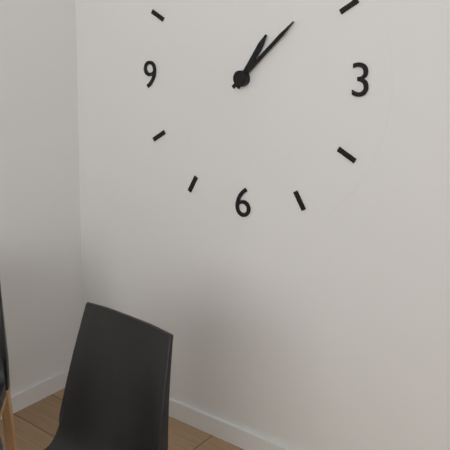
1:08
